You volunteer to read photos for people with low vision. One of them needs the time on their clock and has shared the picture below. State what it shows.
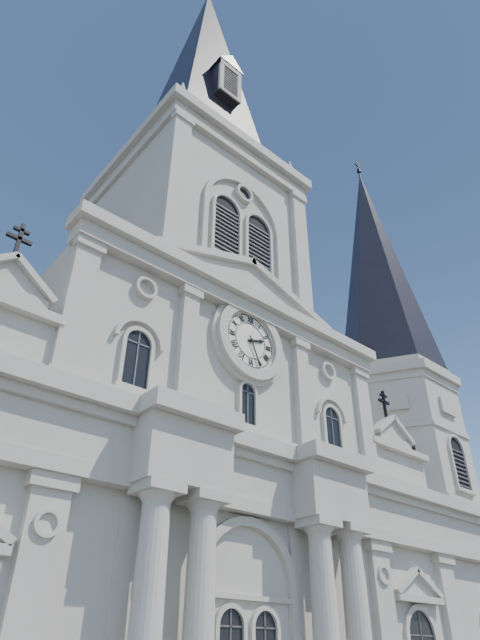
2:26
